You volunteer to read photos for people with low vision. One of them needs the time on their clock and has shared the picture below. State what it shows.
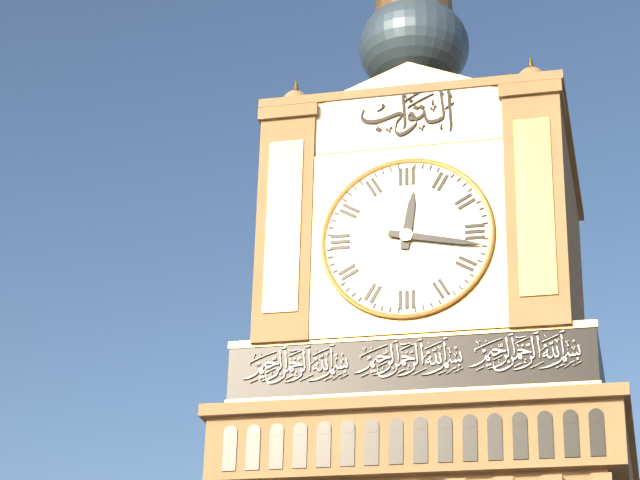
12:17
